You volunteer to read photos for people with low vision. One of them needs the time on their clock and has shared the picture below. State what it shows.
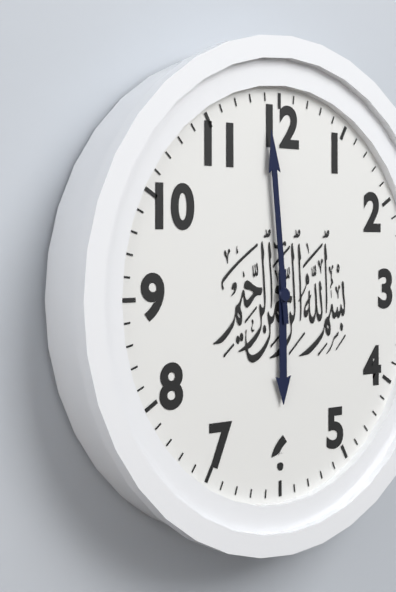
5:59
